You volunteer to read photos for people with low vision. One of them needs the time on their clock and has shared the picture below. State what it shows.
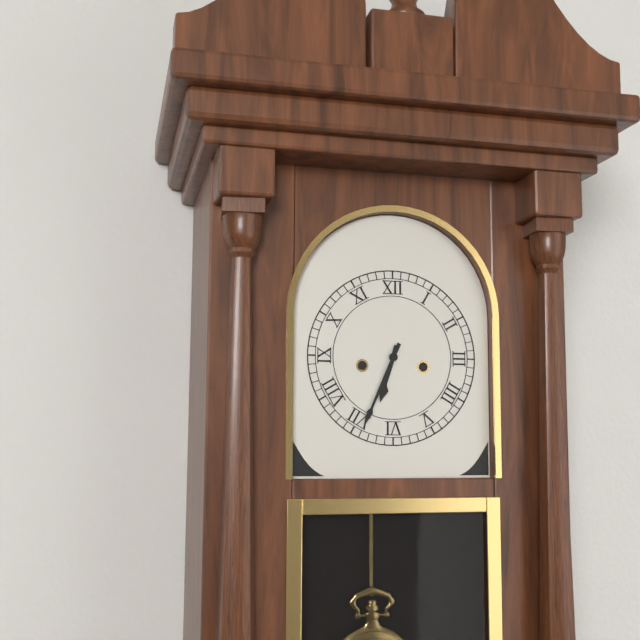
6:34
